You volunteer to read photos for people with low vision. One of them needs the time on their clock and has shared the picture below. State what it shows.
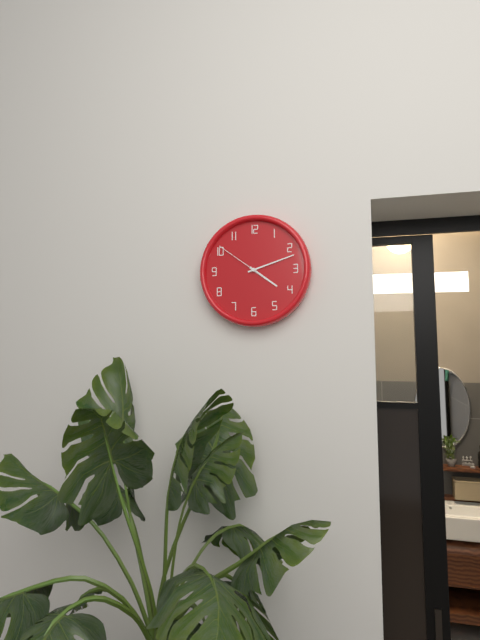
4:12:51
